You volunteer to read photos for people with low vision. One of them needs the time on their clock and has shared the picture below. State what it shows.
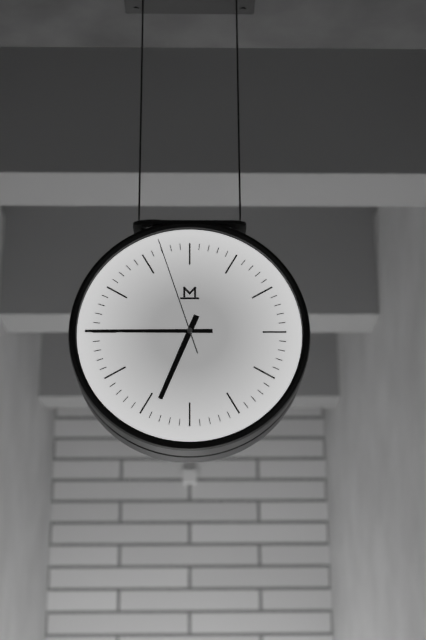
6:45:57
